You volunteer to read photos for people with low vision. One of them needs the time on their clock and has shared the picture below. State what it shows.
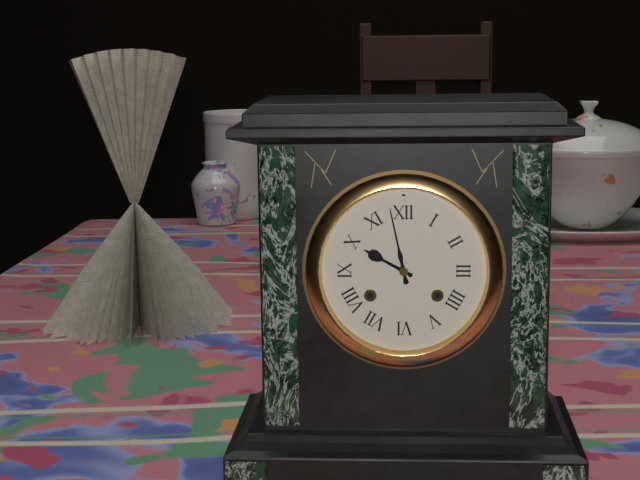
9:58
